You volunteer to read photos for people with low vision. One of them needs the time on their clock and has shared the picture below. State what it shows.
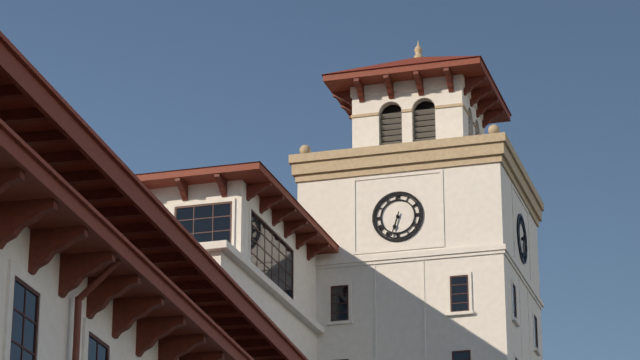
6:33
